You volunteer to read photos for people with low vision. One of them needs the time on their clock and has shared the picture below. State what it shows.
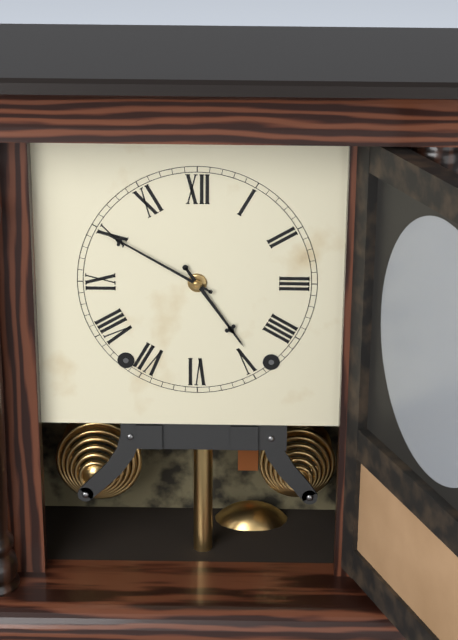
4:50
